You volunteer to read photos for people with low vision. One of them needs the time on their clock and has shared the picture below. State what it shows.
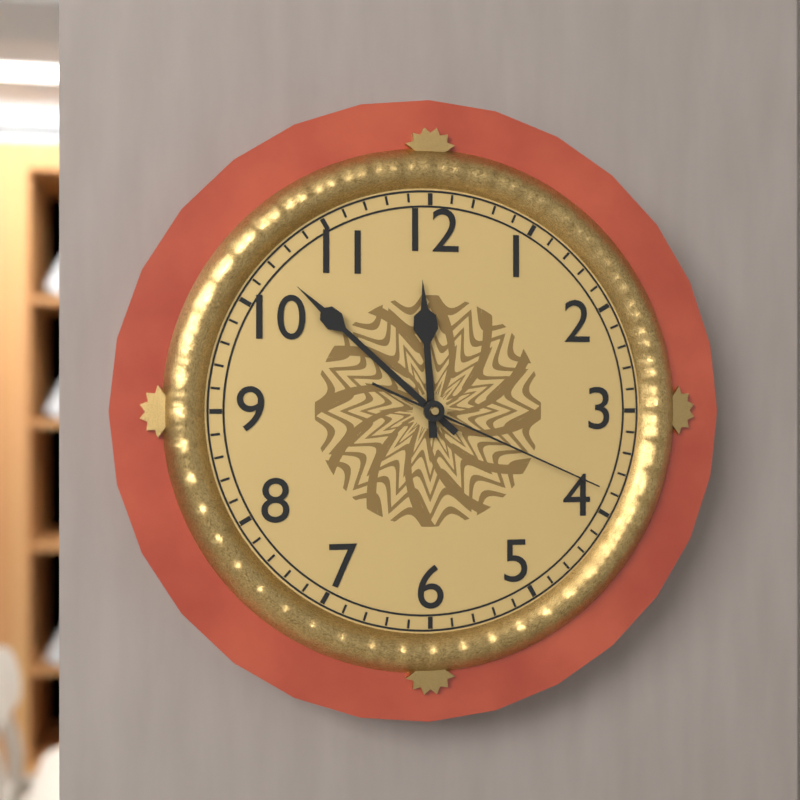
11:52:19
